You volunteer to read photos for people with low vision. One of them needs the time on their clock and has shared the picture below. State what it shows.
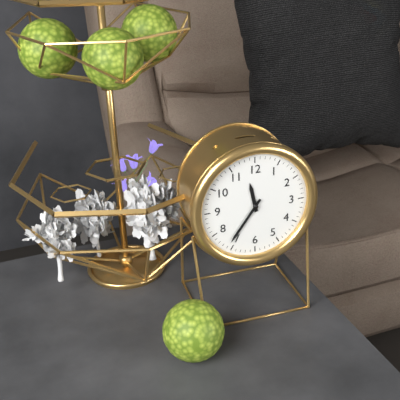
11:36
